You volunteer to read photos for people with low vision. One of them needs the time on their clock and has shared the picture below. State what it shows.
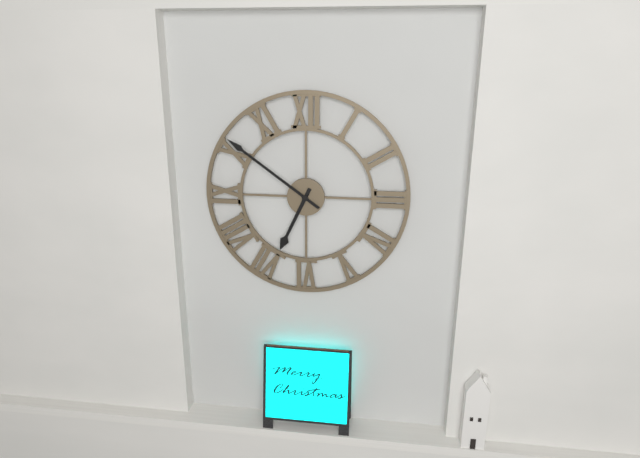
6:51
